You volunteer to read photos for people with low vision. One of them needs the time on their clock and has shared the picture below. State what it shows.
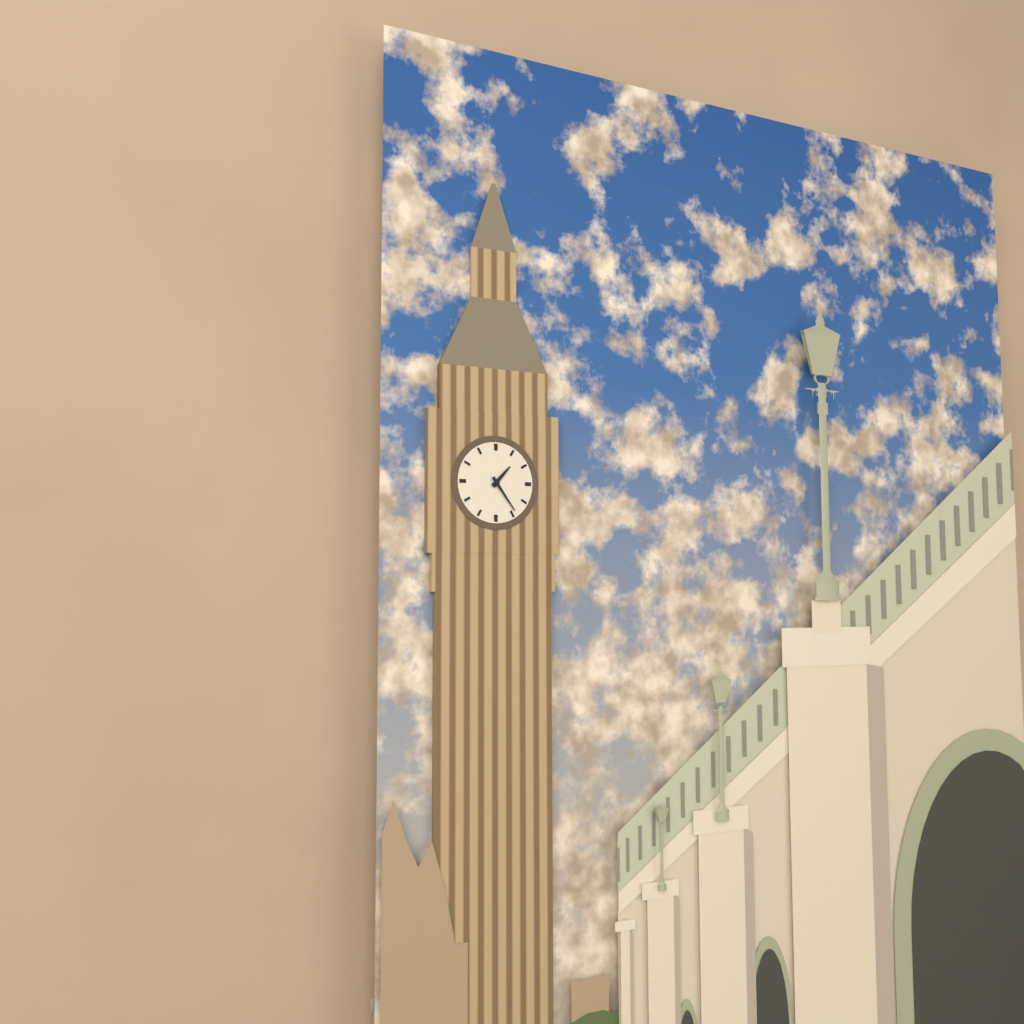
1:24
